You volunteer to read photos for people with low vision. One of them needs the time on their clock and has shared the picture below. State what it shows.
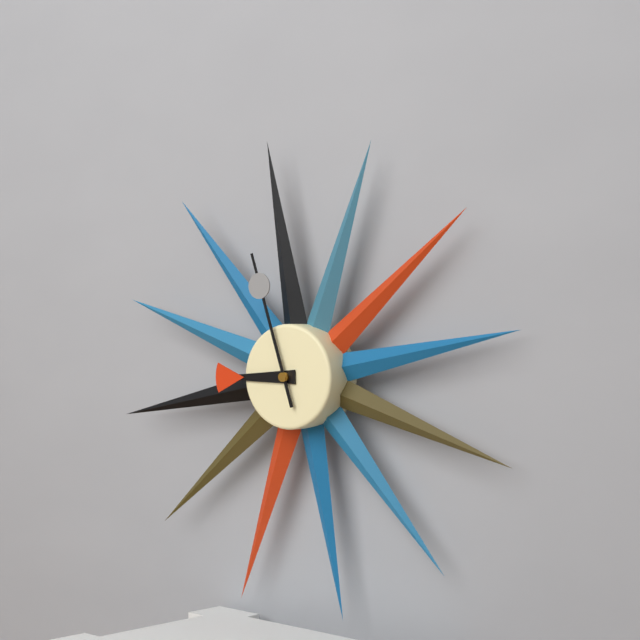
8:57
